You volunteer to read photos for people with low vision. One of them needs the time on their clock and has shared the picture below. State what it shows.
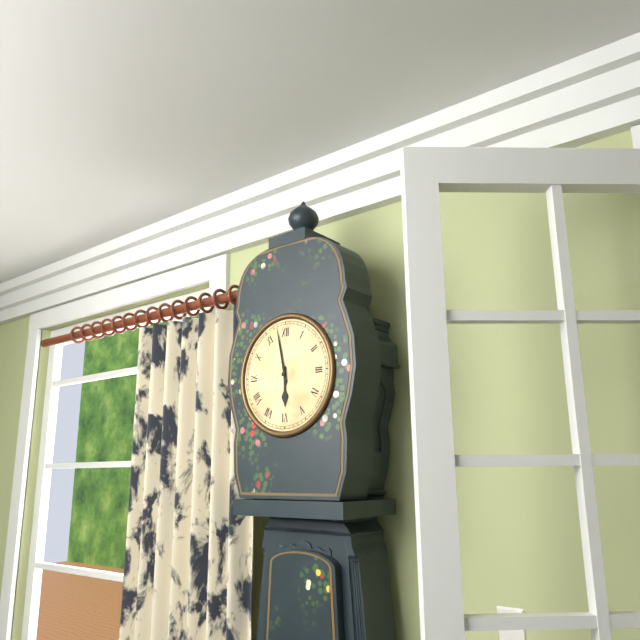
5:58
